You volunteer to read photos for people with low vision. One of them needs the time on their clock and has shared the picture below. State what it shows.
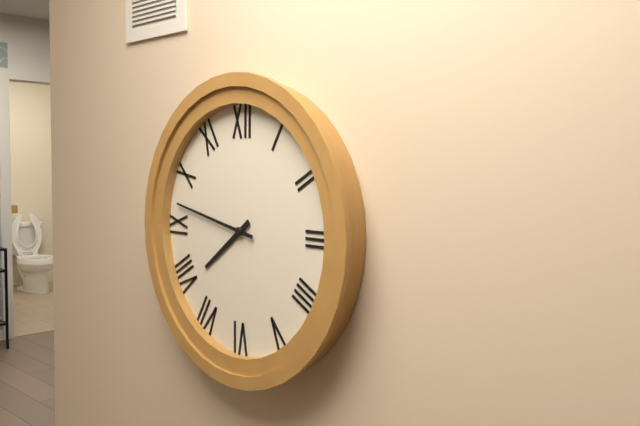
7:47
